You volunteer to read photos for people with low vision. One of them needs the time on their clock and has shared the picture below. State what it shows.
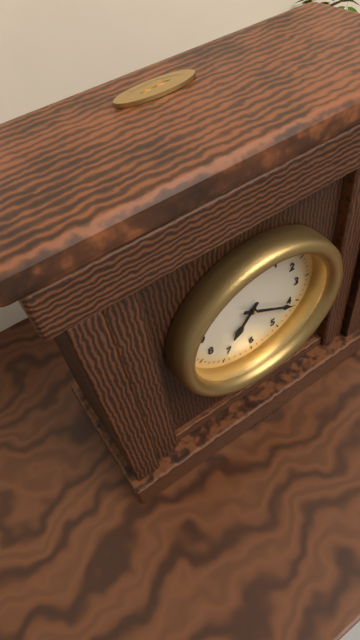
7:20
